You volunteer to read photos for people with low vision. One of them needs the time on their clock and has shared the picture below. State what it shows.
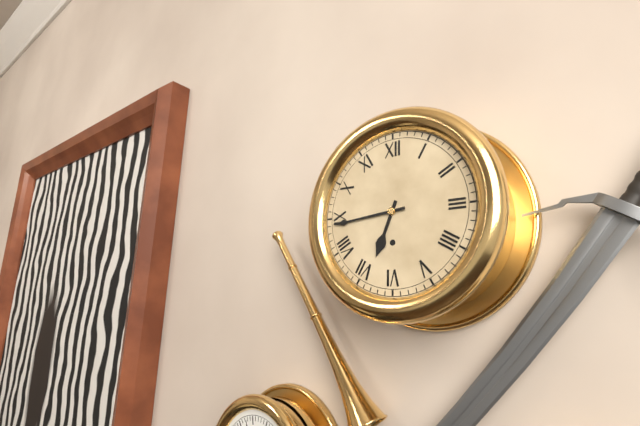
6:44
